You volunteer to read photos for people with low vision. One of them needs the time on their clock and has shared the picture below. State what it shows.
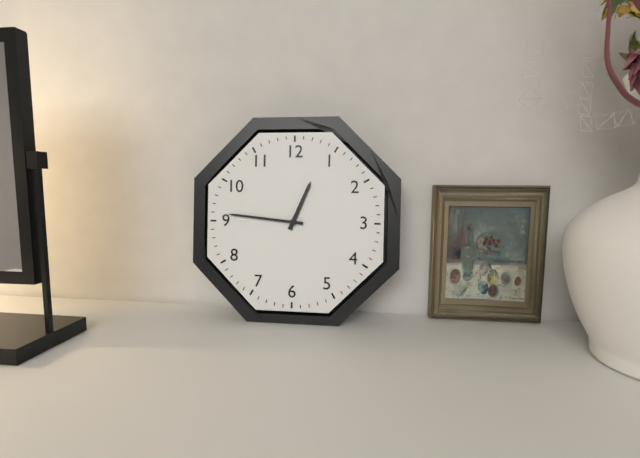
12:46
